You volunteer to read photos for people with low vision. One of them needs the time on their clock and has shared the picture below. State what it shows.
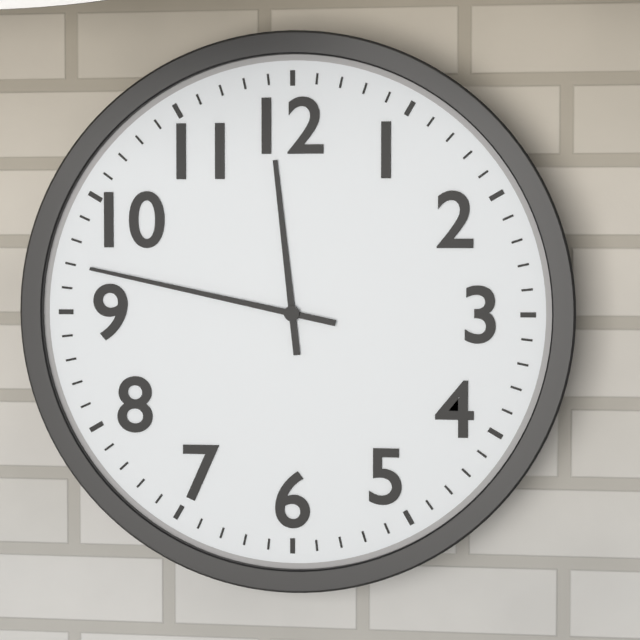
11:47
